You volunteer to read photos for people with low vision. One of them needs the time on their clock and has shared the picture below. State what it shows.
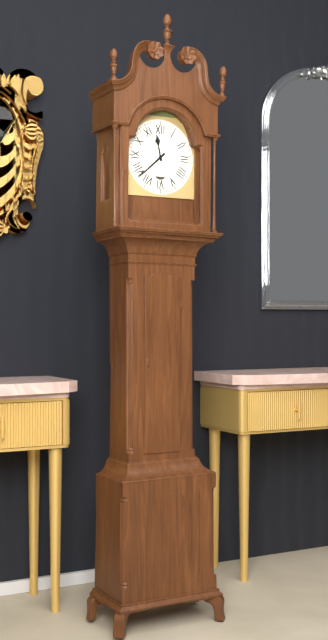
11:38
